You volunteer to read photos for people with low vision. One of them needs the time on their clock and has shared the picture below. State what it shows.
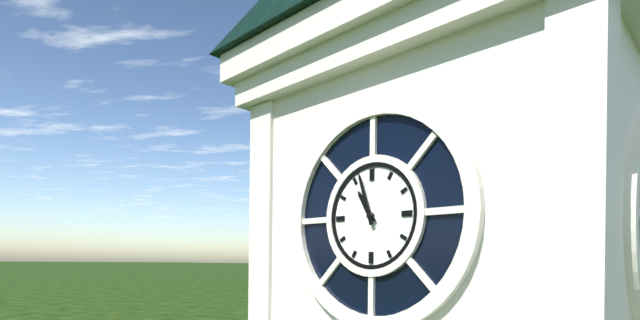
10:57
